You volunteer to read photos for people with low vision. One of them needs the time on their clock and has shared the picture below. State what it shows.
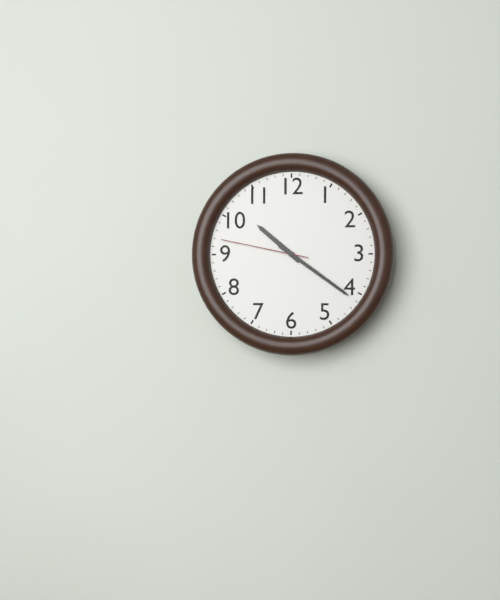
10:21:47
